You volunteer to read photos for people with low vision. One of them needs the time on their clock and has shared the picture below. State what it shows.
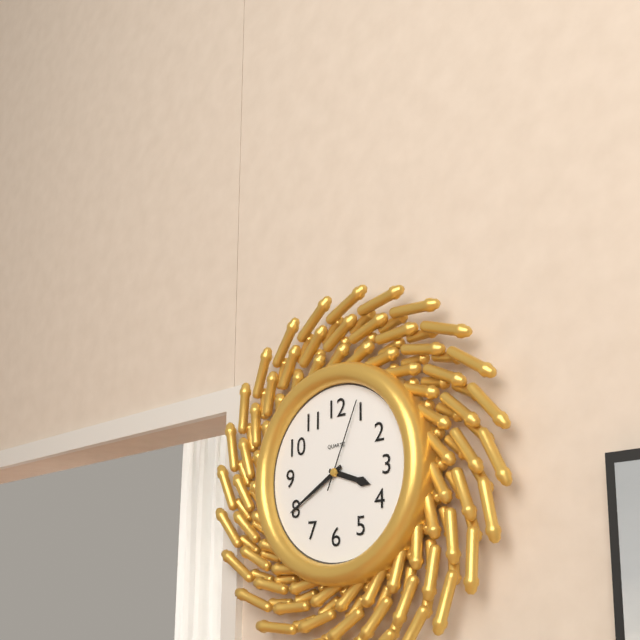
3:40:04
